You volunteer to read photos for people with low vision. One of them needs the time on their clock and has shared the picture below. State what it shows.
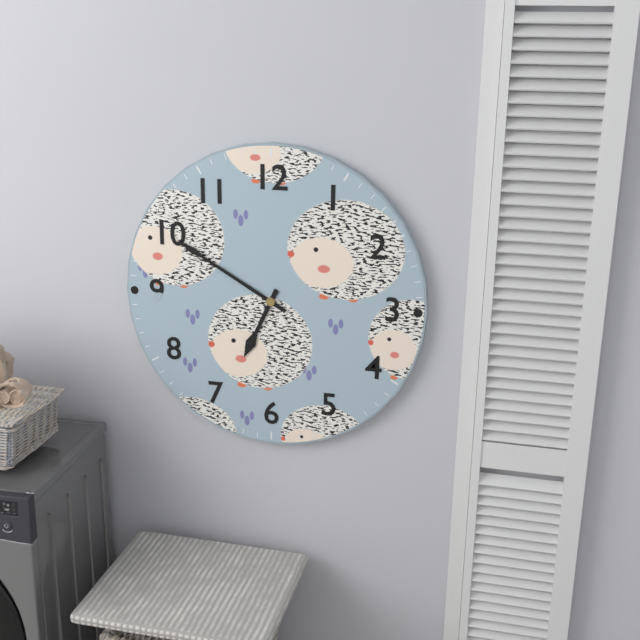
6:50
